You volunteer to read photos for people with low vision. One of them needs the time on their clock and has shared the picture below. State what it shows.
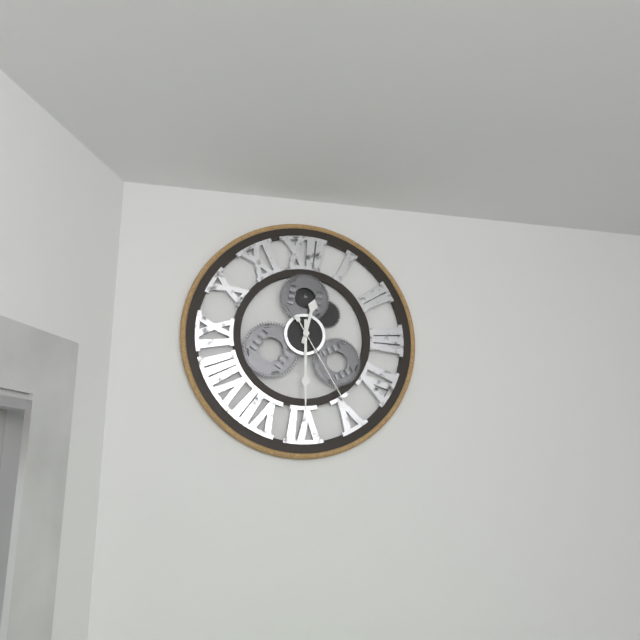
12:30:25
